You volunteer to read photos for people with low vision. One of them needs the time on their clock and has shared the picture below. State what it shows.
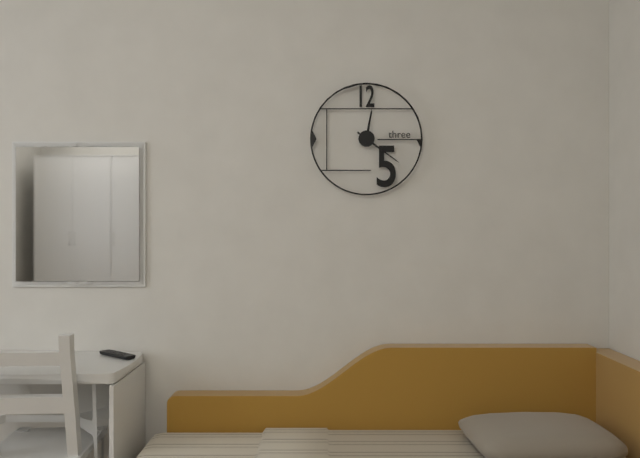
12:21
